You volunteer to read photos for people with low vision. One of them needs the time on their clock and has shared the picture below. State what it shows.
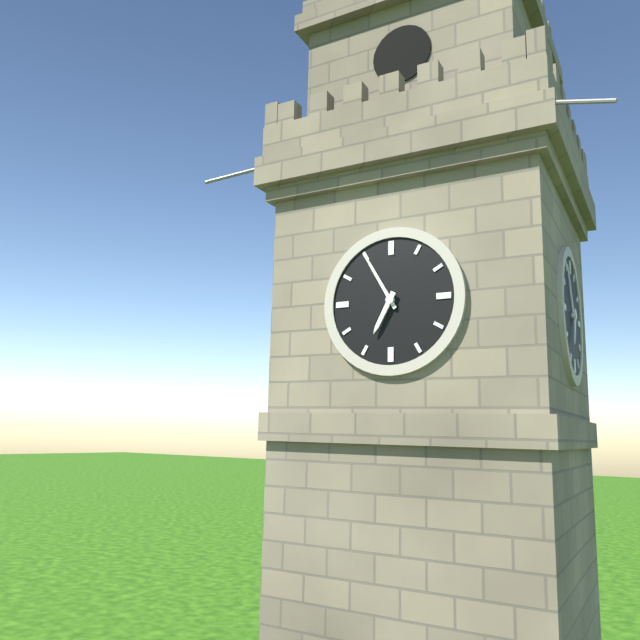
6:55
